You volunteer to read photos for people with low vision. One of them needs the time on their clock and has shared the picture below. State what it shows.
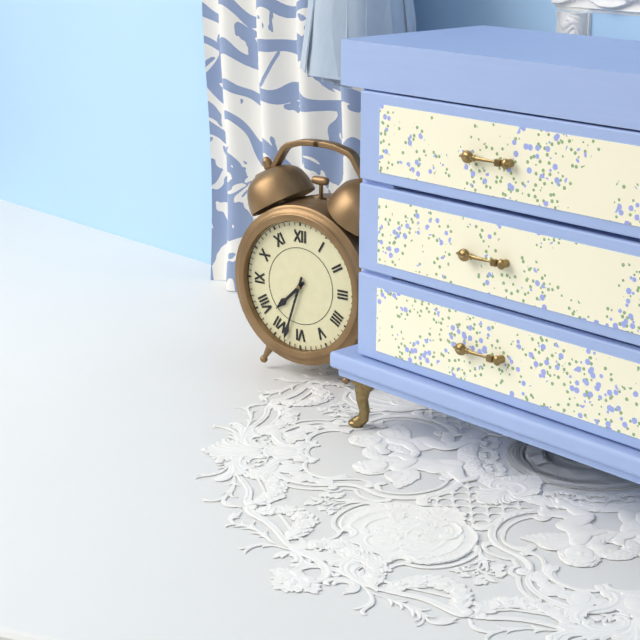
7:33
